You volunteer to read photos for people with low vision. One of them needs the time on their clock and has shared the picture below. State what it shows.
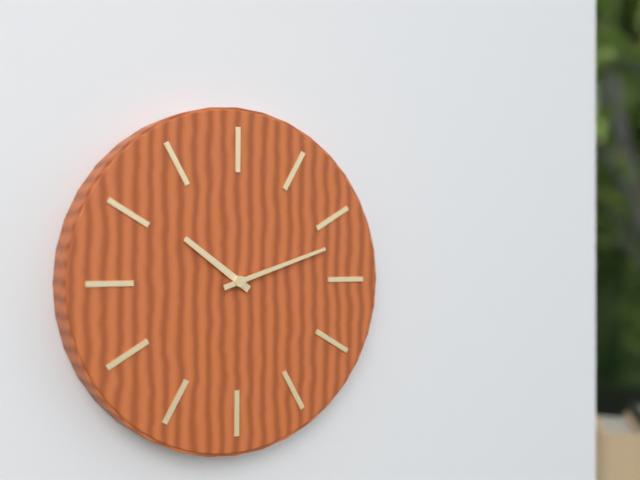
10:12
